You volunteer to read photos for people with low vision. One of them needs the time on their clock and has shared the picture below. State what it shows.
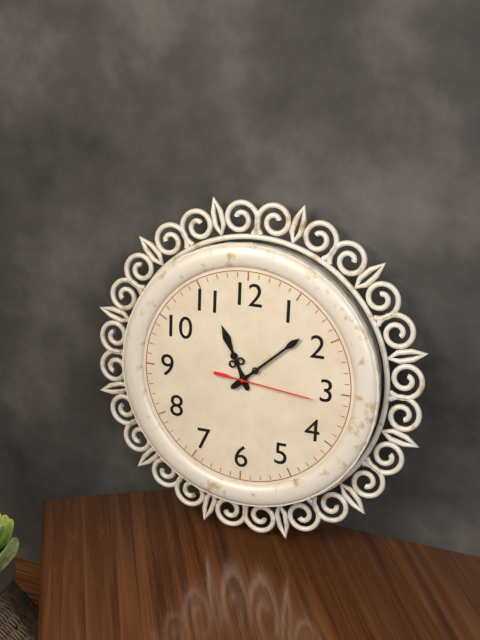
11:08:16
